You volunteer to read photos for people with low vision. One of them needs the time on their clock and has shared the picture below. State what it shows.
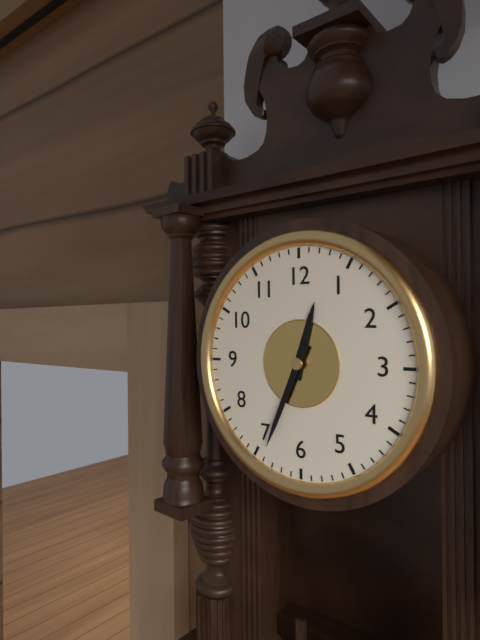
12:34
